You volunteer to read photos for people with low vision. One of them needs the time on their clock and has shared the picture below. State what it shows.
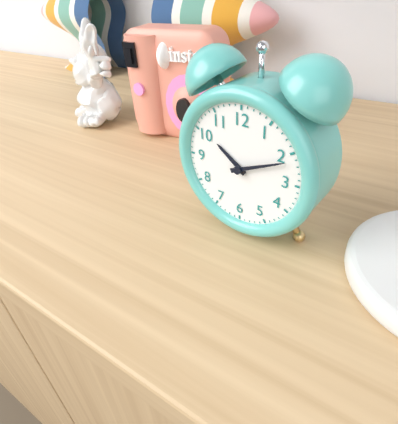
10:11
